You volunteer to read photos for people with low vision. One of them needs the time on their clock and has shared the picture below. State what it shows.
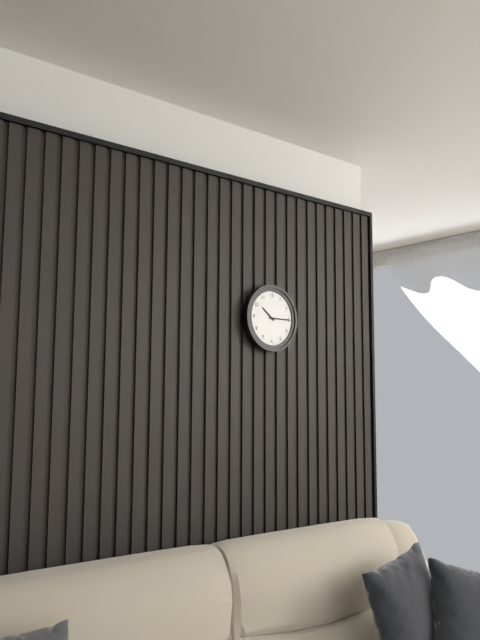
10:15
